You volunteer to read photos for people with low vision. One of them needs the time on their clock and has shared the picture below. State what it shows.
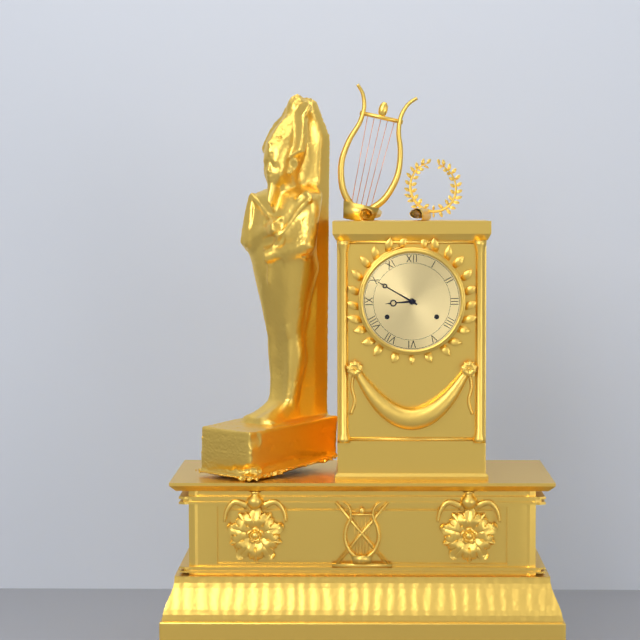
8:50
